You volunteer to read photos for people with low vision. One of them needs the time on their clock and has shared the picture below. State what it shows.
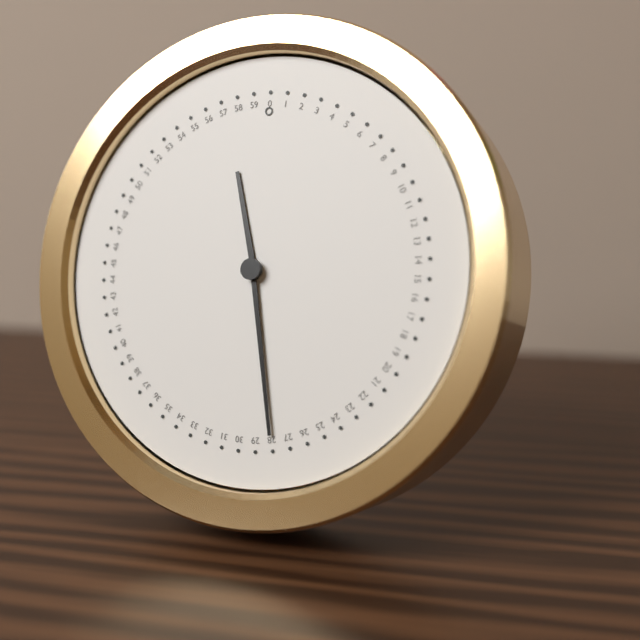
11:28
